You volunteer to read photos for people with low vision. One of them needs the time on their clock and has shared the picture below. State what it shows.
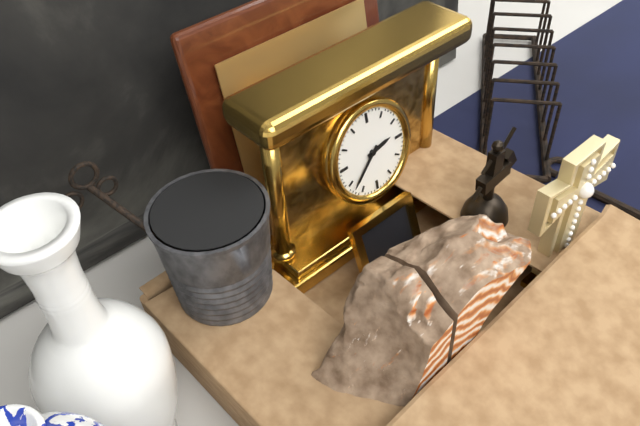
2:38
